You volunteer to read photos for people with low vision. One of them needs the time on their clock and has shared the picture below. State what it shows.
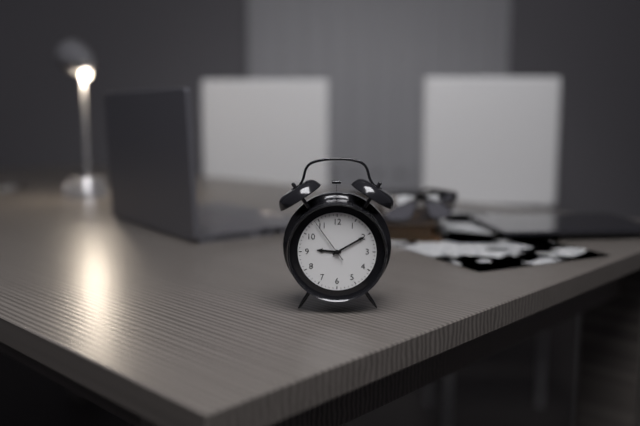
9:10
